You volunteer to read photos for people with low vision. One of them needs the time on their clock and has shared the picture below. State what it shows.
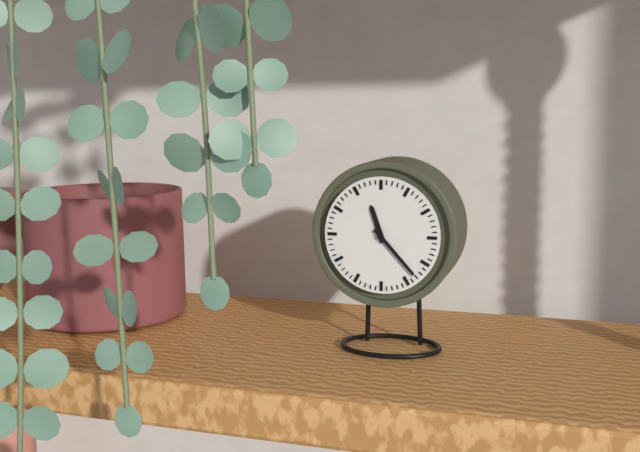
11:23
